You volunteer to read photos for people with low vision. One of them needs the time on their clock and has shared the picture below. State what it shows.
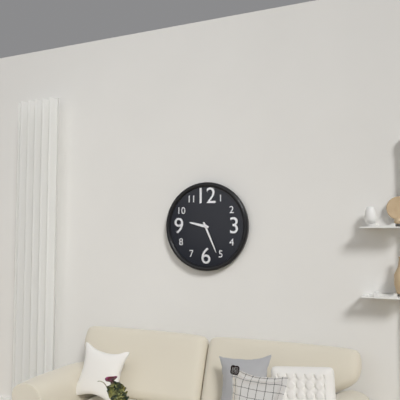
9:26
